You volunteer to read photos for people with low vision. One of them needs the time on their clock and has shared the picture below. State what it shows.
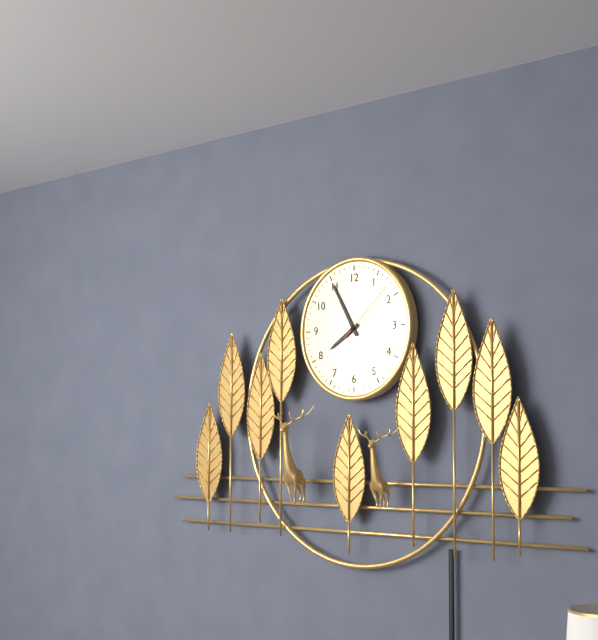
7:55:08
